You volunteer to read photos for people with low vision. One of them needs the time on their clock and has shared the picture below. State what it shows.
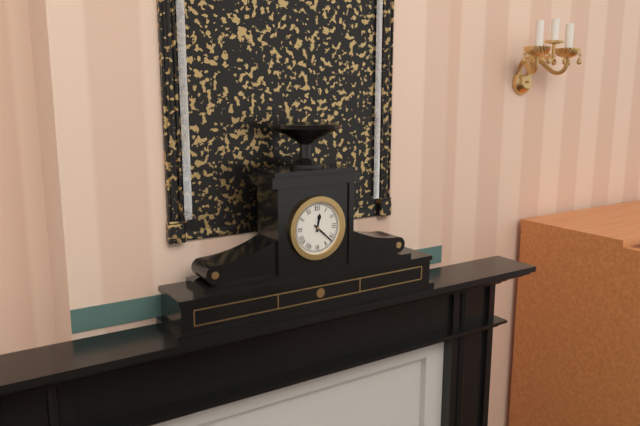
12:22
